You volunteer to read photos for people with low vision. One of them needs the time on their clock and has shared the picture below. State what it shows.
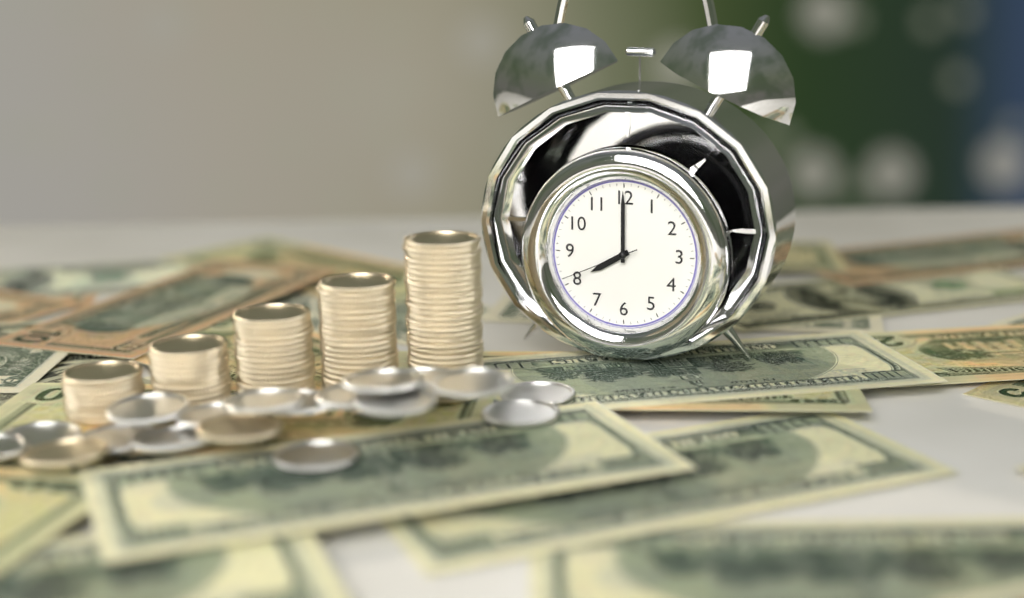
8:00:41
